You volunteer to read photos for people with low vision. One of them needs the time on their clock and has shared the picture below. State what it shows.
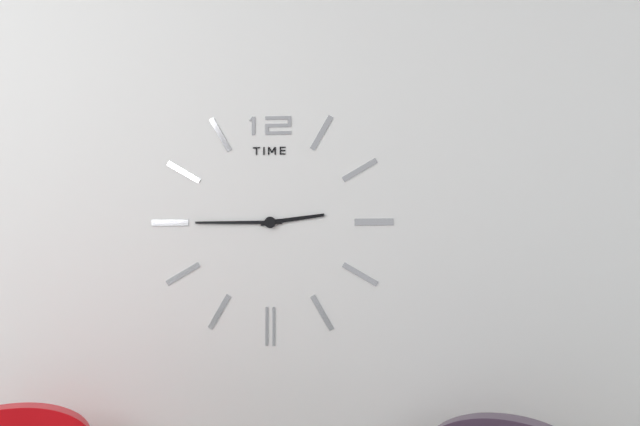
2:45
